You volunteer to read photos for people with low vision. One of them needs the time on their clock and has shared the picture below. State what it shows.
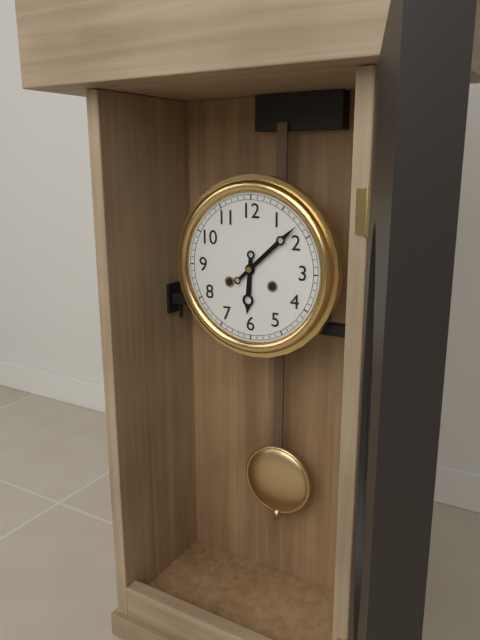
6:08
